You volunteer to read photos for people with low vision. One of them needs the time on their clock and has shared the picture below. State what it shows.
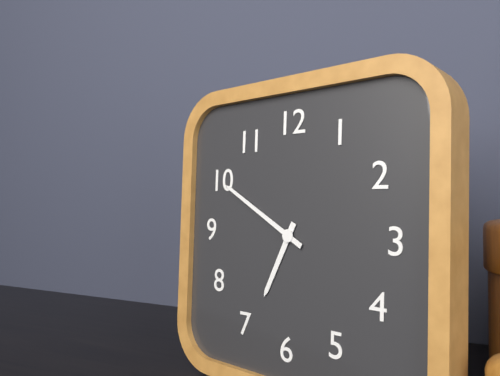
6:50
